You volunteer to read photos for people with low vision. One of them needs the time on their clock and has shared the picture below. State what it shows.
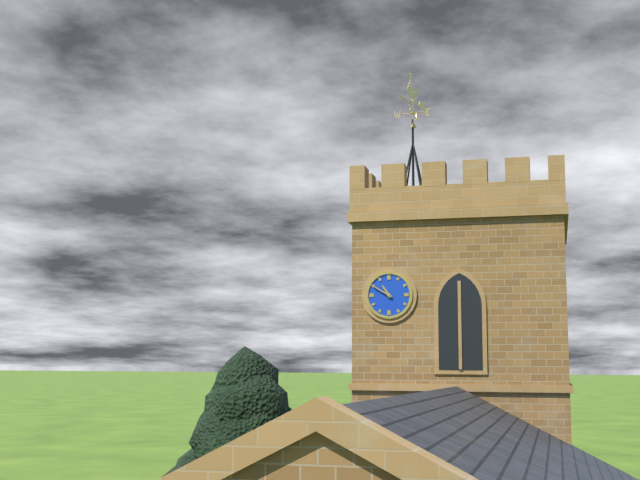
10:50
